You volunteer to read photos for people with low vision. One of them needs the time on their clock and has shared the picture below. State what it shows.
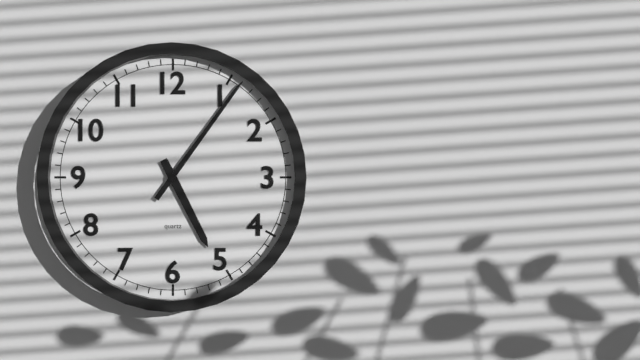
5:06
